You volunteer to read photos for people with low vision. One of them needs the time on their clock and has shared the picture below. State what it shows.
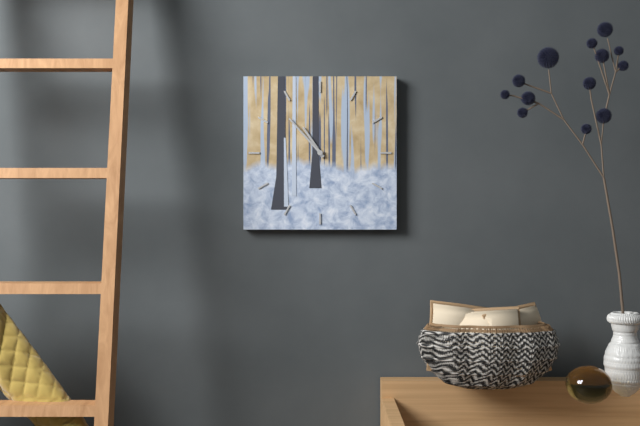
10:53
